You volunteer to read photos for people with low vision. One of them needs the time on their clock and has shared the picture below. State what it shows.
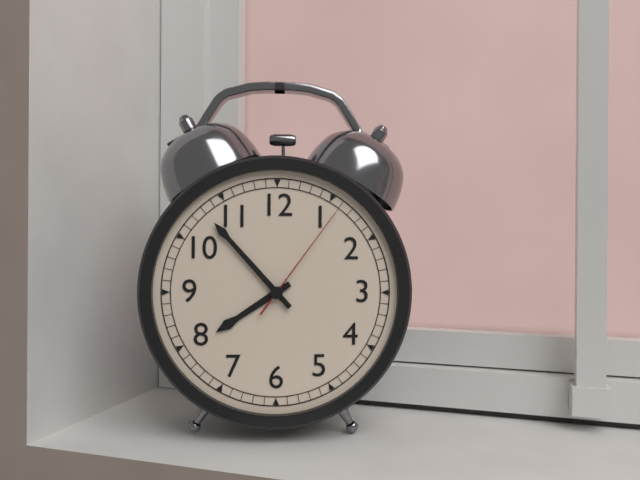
7:53:06
